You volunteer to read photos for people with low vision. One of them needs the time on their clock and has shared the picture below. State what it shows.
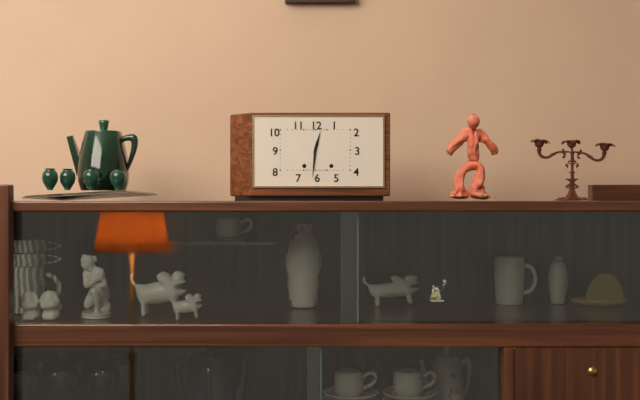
12:31
